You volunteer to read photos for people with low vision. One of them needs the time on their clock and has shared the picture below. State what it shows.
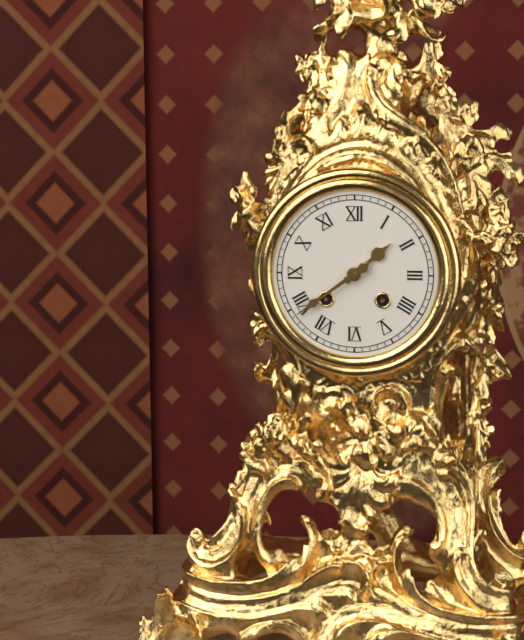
1:39
